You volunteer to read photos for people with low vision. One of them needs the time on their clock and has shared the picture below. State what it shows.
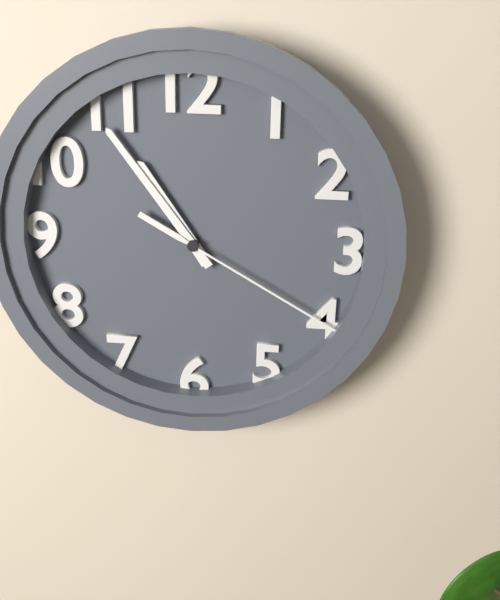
10:54:20
